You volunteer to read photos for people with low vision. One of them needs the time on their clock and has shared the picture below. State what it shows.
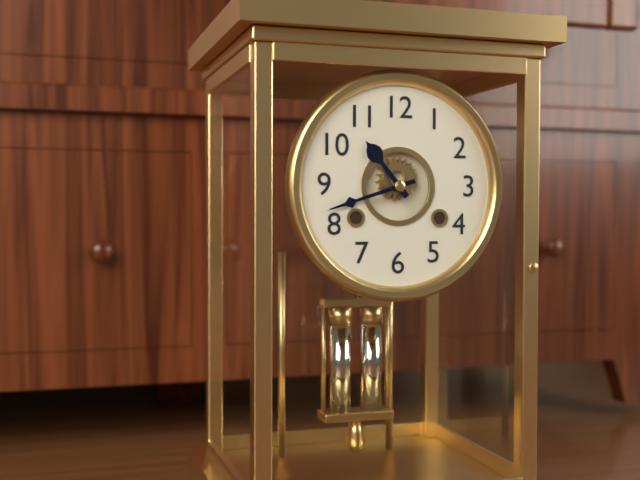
10:42
